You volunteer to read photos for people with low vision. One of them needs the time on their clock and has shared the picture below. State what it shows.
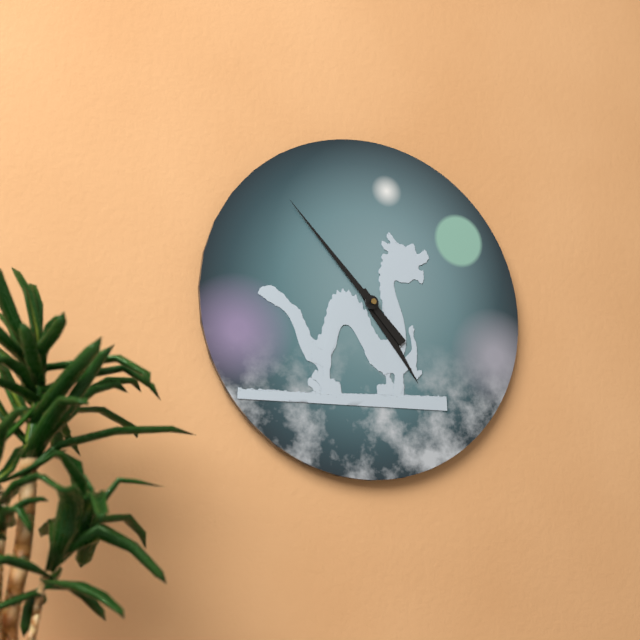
4:53
